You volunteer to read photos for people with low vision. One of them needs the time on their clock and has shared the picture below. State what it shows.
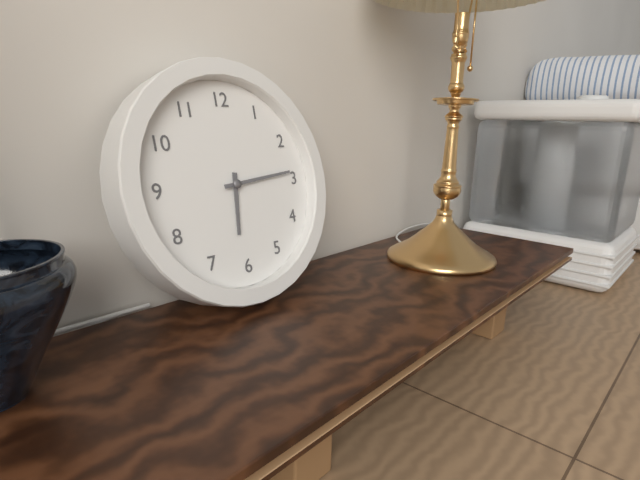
6:14
